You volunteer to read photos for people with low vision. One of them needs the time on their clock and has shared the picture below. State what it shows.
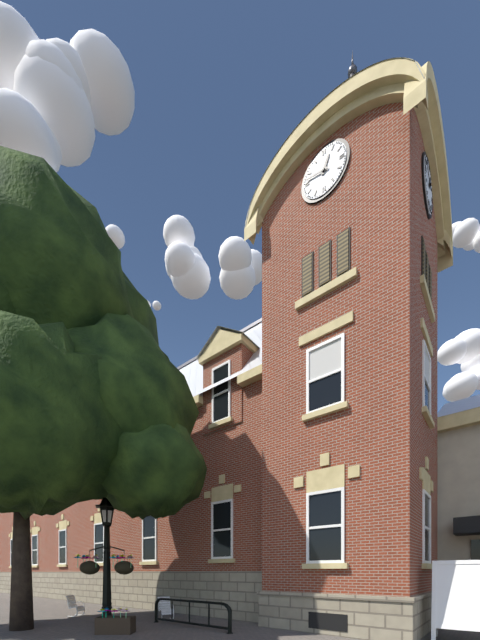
12:47
